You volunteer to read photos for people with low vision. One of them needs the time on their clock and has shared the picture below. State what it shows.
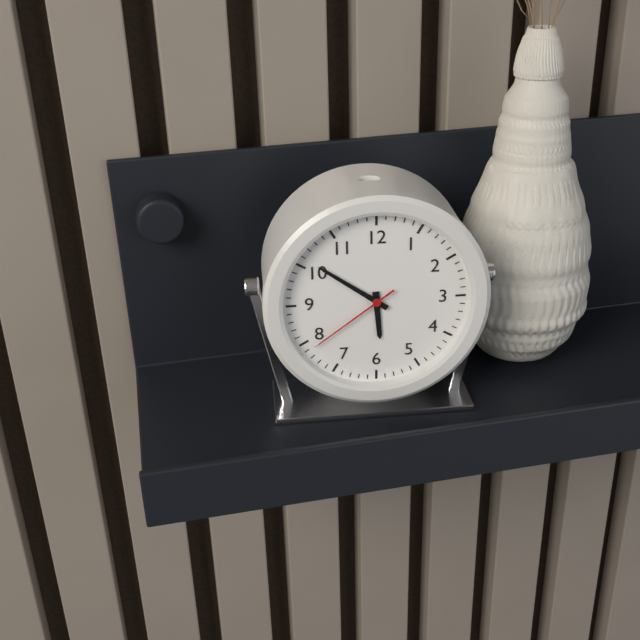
5:51:39
